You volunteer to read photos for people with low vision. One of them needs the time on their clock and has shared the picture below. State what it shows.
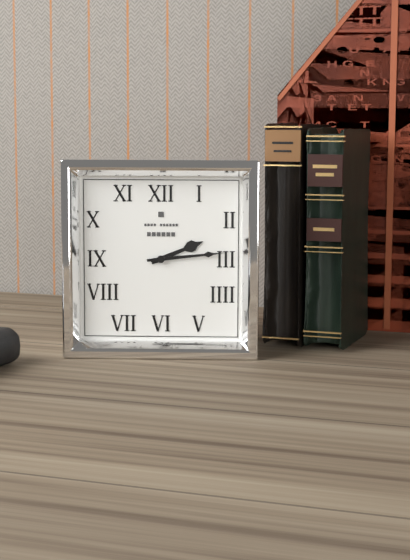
2:14
